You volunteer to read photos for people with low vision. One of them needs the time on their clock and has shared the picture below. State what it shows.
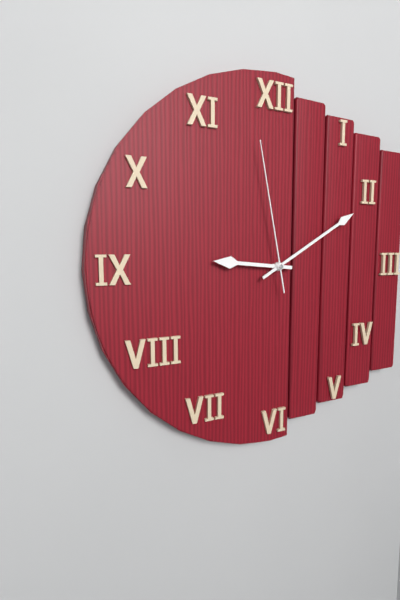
9:10:58
